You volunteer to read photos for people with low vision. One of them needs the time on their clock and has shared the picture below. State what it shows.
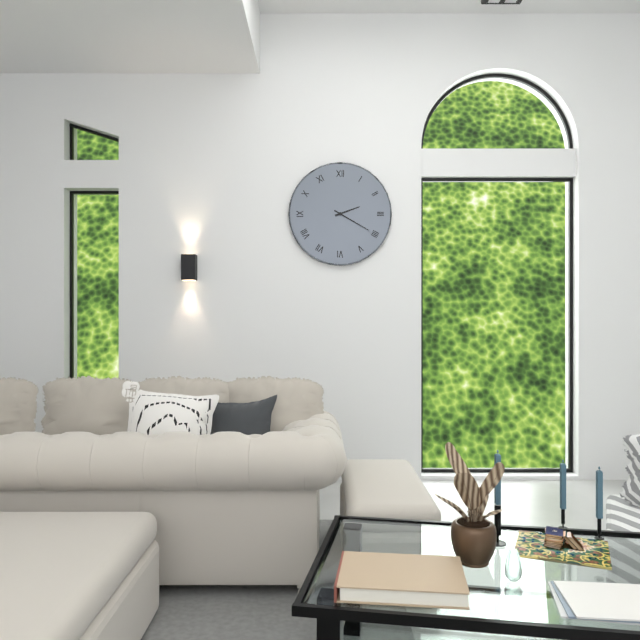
2:20
